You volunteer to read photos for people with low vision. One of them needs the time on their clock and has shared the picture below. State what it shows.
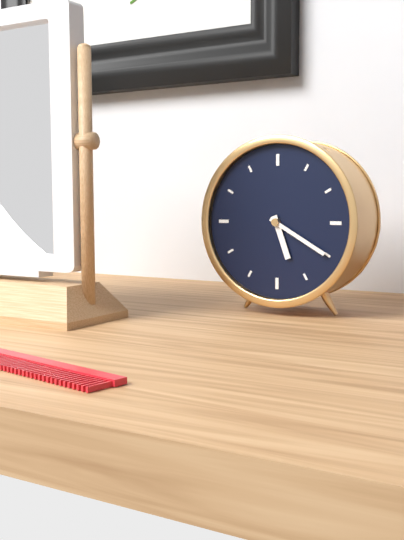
5:20
